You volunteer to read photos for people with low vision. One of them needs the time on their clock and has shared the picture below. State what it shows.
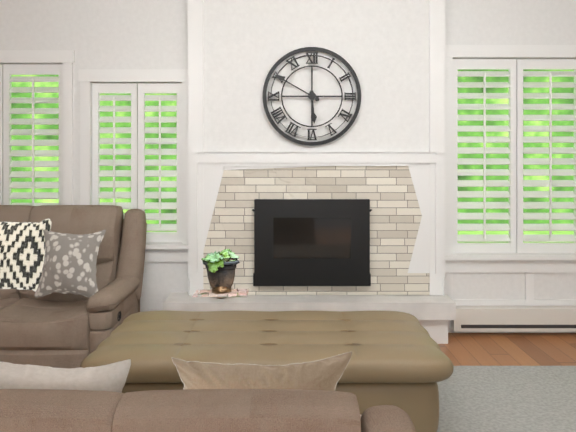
5:50
